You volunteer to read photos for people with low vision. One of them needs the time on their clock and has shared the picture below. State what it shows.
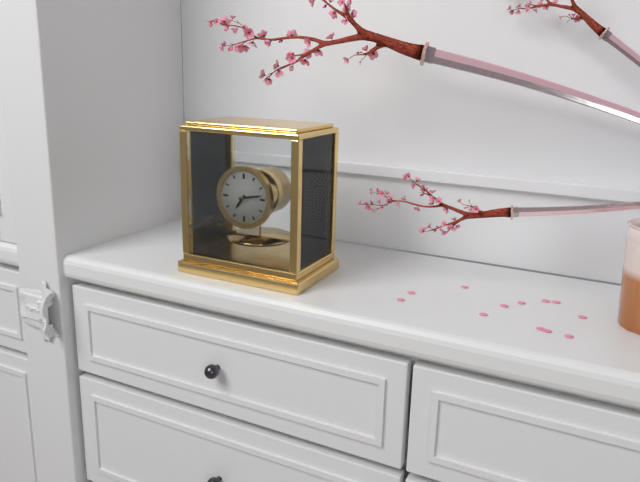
7:13
